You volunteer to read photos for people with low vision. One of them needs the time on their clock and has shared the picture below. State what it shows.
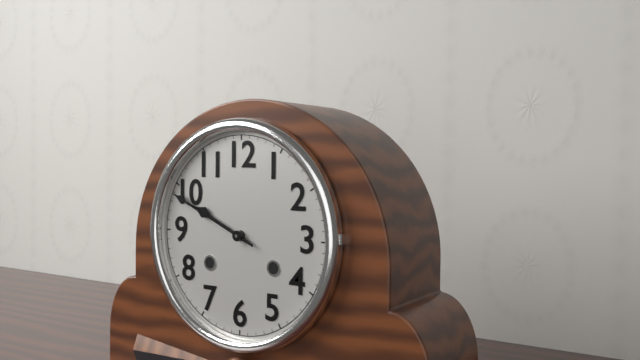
9:49
